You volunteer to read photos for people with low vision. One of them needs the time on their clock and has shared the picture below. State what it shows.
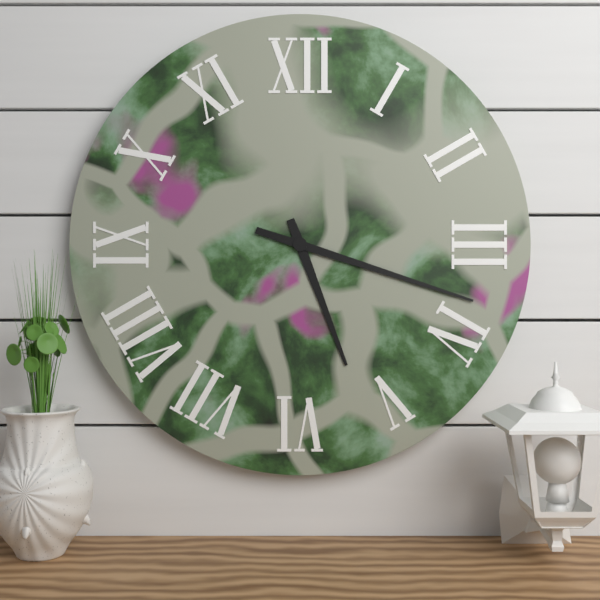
5:18
